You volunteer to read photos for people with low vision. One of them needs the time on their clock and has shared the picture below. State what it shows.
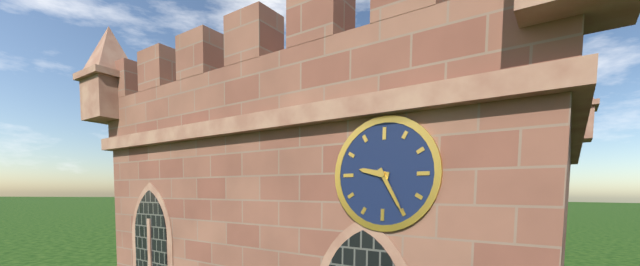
9:25
